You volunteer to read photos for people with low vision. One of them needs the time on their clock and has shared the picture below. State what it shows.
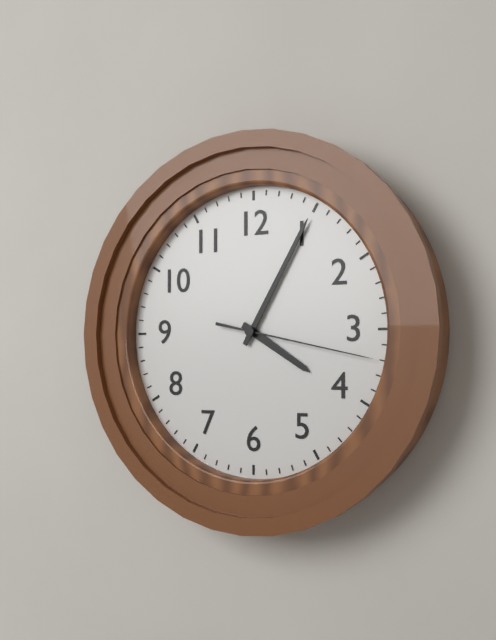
4:05:17
